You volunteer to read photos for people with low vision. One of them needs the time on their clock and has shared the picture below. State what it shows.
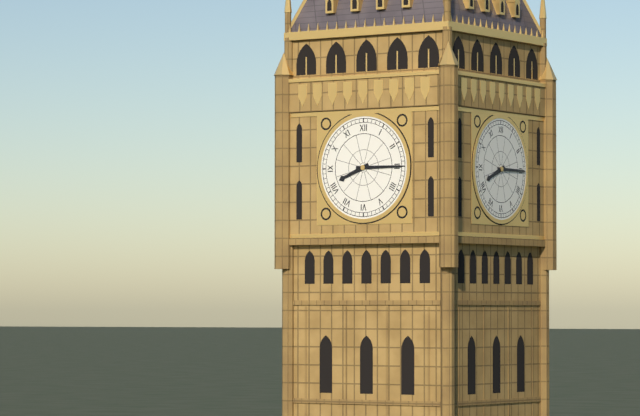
8:15
